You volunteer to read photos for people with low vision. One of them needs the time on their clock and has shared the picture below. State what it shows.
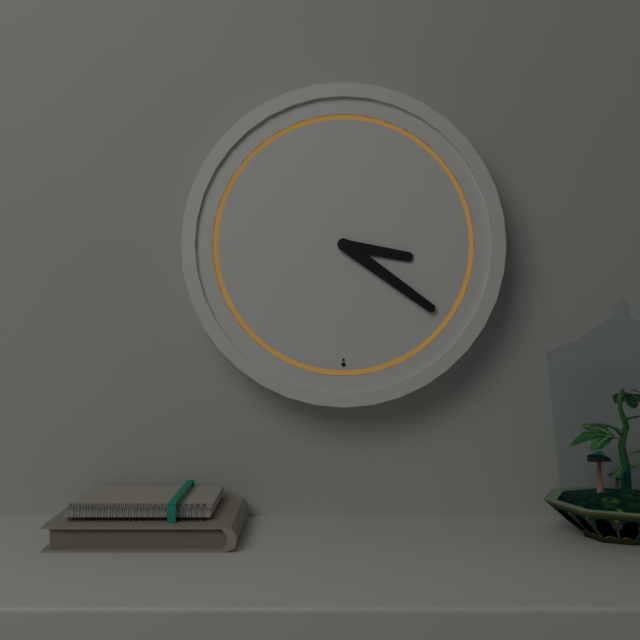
3:21
